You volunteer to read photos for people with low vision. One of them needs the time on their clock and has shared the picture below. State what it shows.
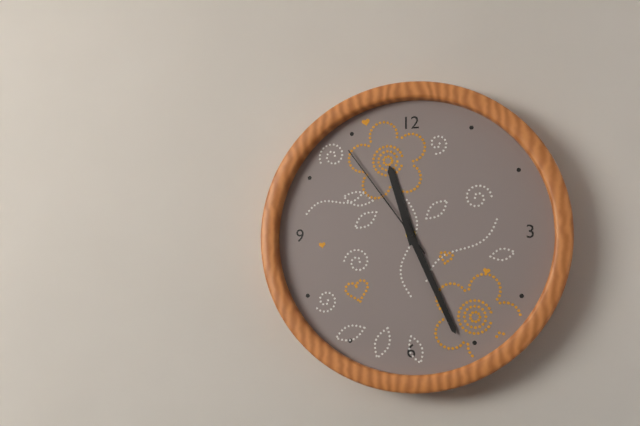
11:26:54
